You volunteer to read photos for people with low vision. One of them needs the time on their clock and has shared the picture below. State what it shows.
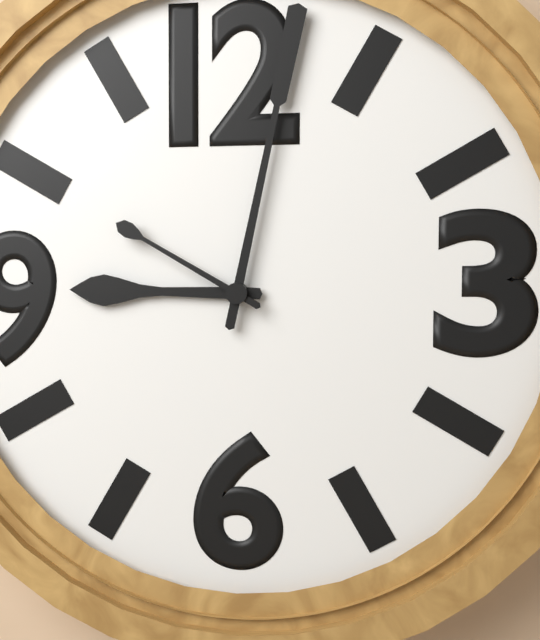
9:02:50
